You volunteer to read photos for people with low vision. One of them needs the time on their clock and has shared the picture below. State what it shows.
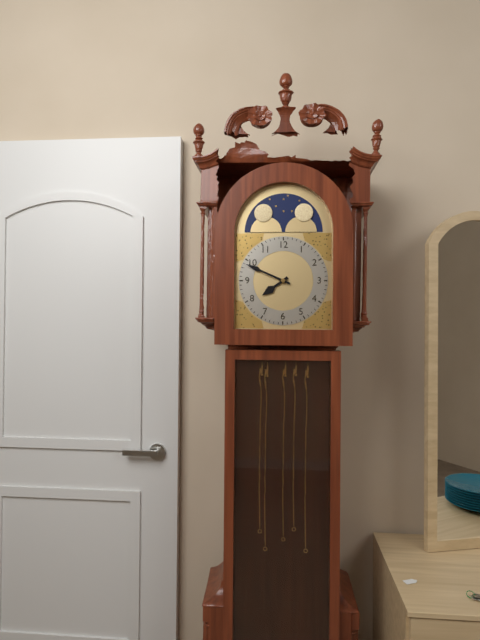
7:49
